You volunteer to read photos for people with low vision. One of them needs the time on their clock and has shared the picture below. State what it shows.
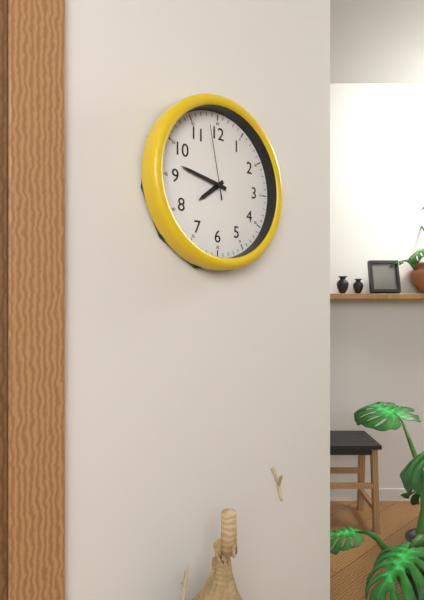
7:47:58
